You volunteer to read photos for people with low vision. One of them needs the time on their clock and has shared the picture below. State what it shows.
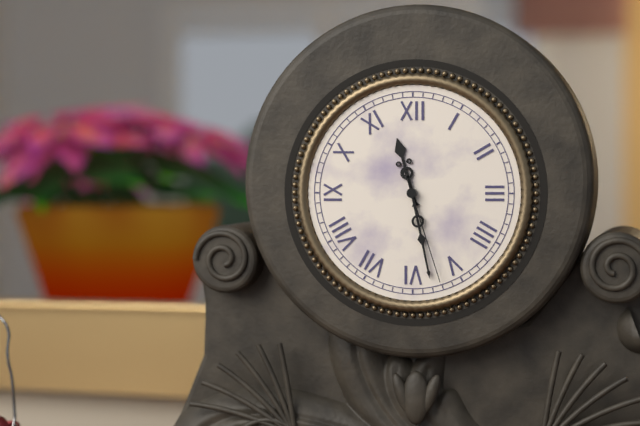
11:28:27
